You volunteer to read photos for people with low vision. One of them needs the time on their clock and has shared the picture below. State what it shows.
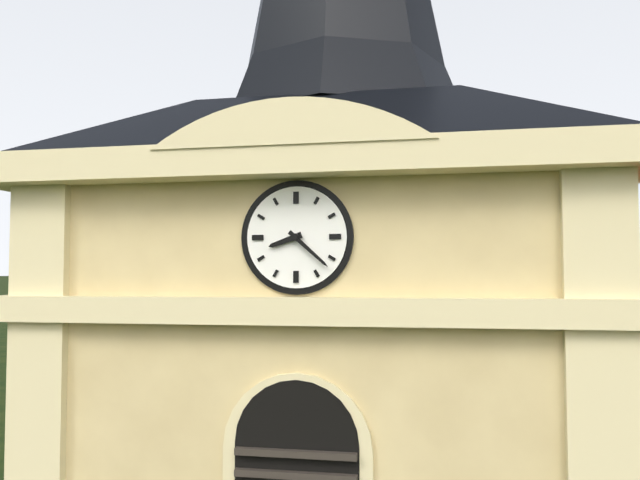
8:22
